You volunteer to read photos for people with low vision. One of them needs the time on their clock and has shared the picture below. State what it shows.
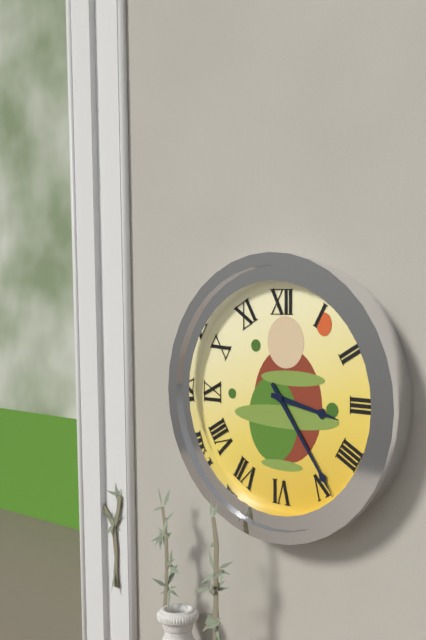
3:24
